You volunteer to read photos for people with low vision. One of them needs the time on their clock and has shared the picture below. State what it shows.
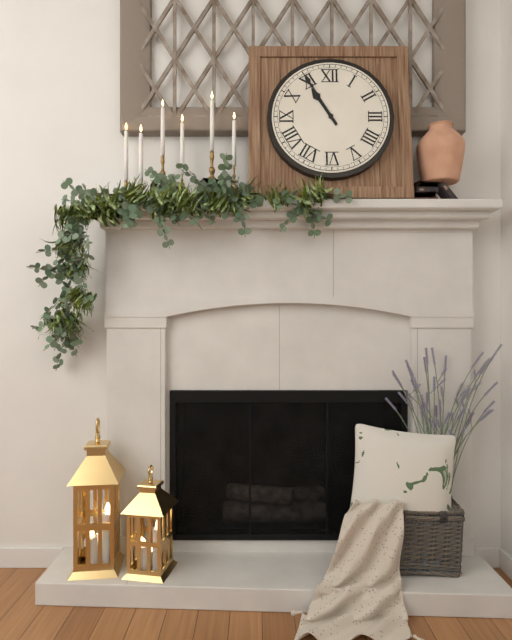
10:55
